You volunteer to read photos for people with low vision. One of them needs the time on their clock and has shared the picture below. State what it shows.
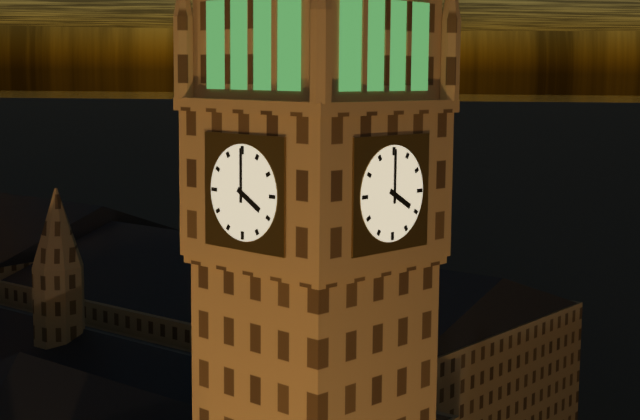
4:00
